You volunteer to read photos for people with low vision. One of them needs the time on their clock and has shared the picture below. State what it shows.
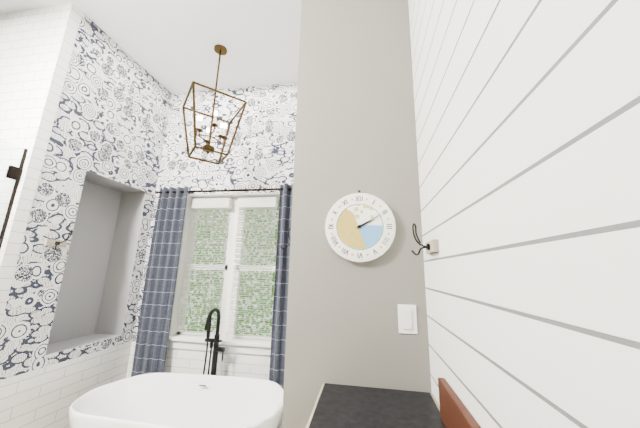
2:10
